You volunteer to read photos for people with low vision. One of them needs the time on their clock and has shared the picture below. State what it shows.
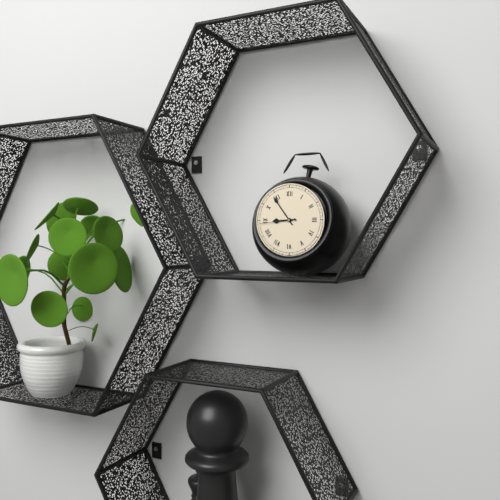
8:54
